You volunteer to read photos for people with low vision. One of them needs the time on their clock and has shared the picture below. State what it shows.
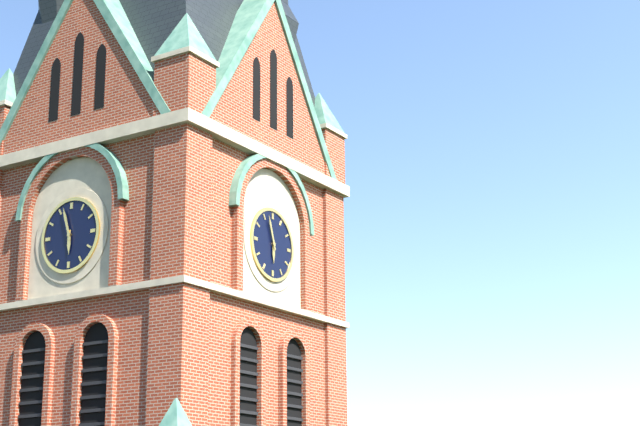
5:57
